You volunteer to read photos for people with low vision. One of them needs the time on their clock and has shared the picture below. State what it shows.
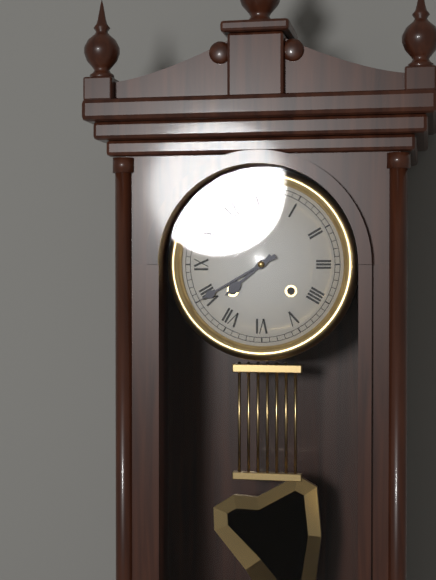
7:40
